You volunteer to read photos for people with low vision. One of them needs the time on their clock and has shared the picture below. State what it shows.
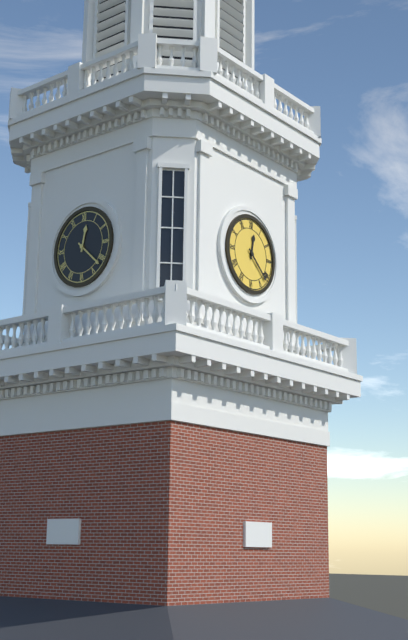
12:22
